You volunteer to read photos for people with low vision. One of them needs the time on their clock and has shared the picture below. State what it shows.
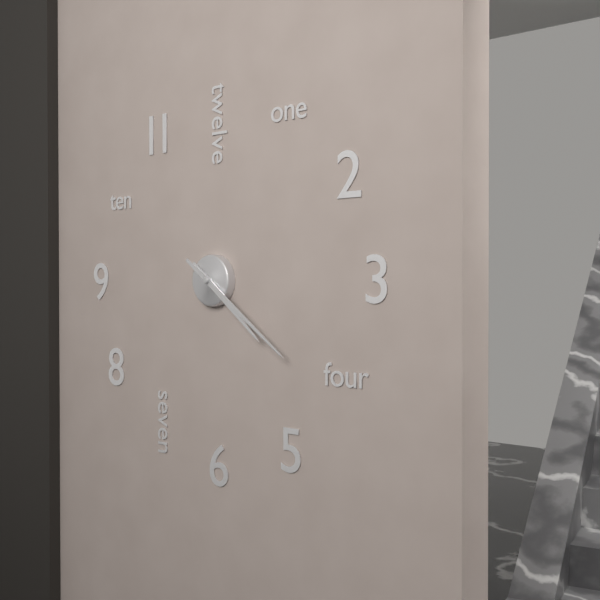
4:21
